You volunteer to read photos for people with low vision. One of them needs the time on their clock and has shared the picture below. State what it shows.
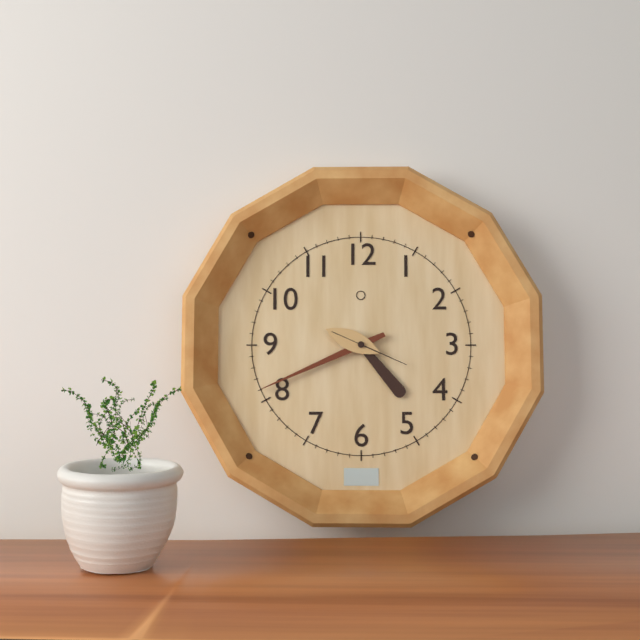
4:41:19
